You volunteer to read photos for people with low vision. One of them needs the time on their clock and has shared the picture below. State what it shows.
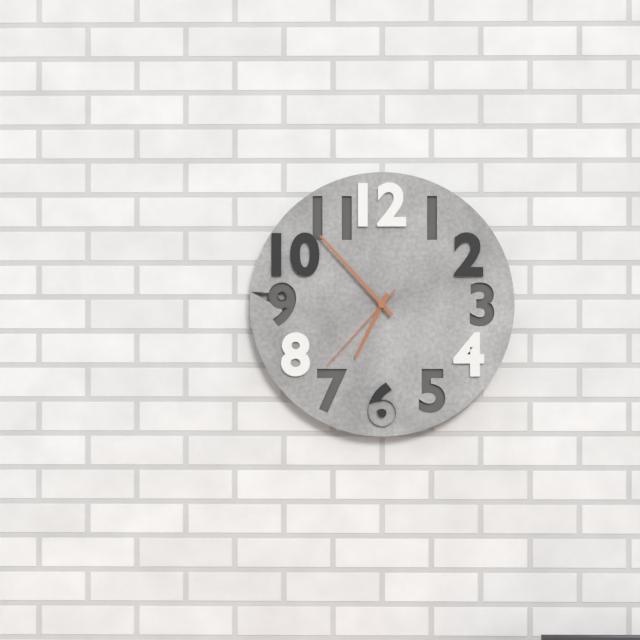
6:53:37
